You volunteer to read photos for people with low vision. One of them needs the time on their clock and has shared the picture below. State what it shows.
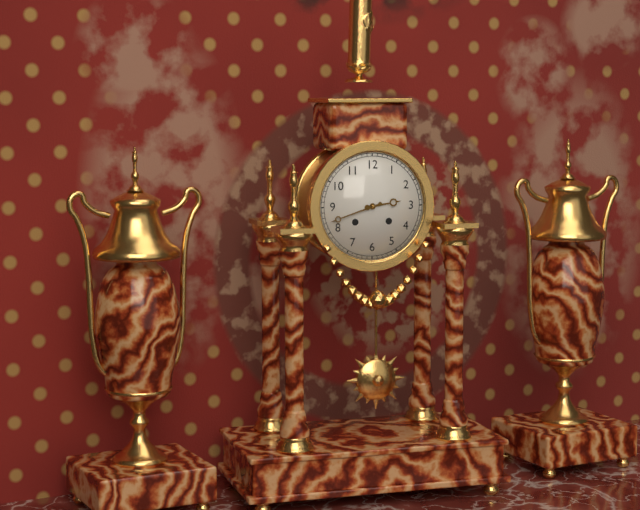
2:42
